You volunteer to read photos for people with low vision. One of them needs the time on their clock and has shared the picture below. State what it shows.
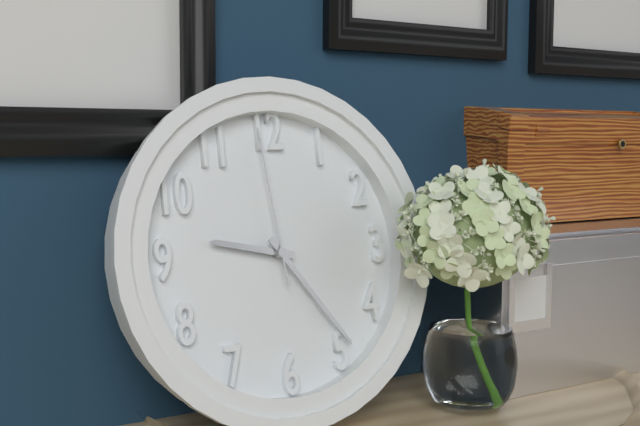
9:24:59
